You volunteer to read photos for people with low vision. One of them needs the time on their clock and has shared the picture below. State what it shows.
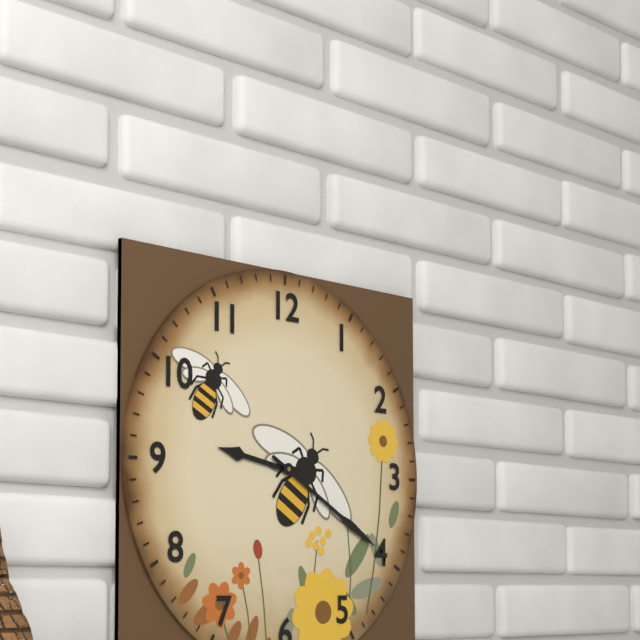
9:20
